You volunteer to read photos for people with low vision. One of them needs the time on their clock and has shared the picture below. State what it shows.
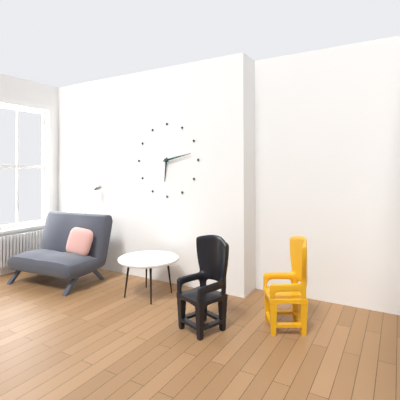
6:13
